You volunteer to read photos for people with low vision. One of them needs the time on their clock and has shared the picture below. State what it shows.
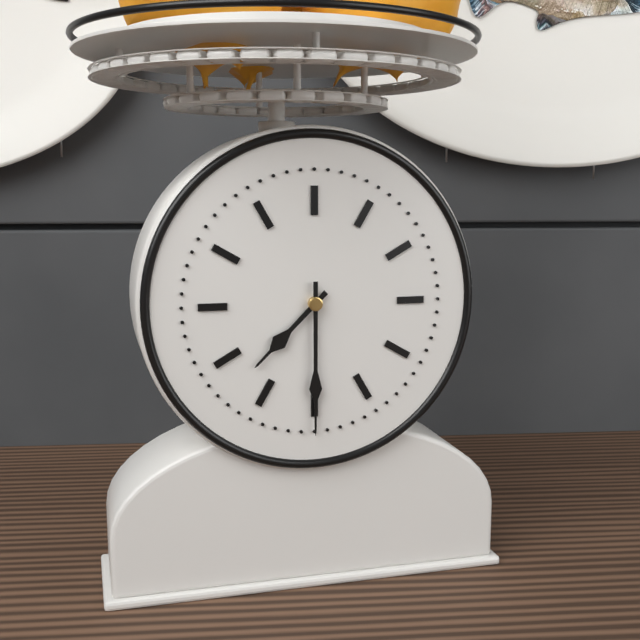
7:30
